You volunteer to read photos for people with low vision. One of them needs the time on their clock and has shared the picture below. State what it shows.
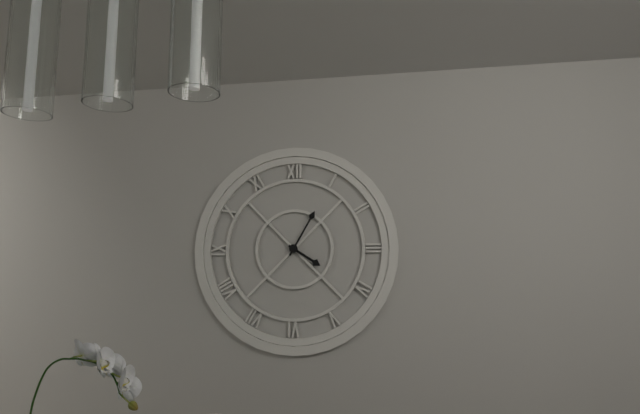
4:05
